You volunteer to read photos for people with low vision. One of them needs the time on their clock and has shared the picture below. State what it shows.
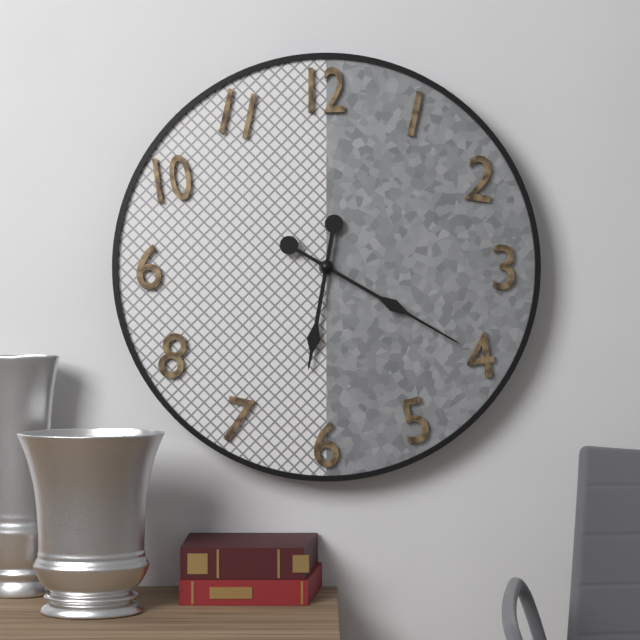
6:20
